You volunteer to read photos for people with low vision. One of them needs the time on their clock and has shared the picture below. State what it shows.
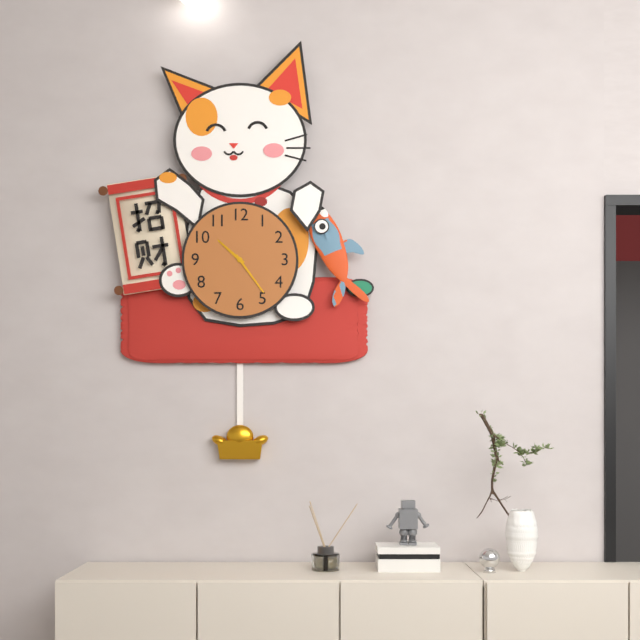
10:24
